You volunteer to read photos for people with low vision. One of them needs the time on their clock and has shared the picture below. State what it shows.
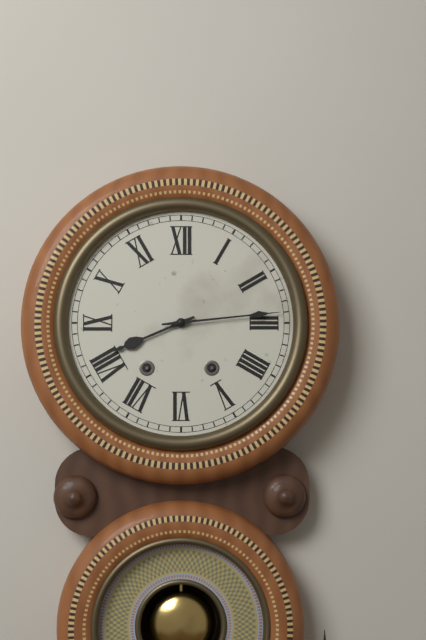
8:14
